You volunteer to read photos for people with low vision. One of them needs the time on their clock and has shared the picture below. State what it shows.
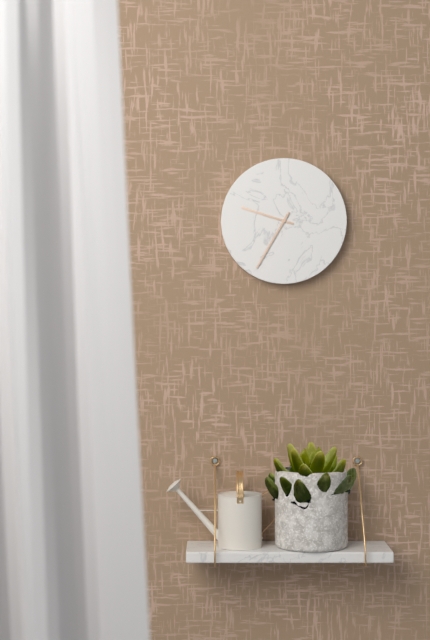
9:35
